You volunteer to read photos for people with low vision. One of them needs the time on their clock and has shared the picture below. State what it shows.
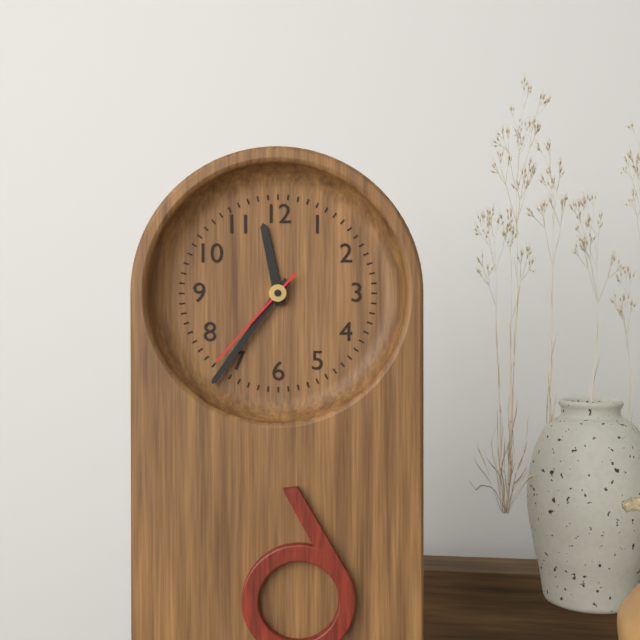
11:36:37
